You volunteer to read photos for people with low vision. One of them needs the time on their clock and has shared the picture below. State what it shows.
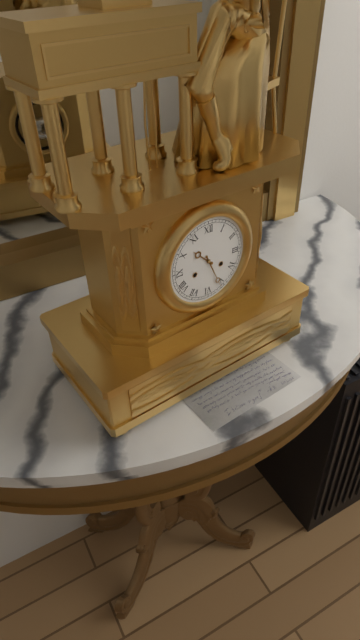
10:26
